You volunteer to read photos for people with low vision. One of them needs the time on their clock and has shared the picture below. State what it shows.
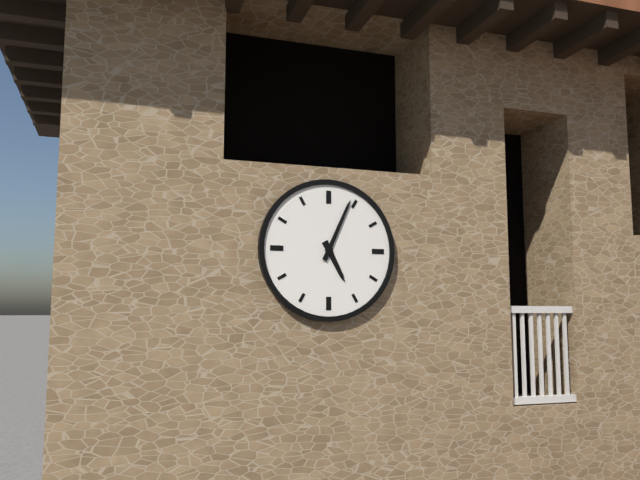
5:04
